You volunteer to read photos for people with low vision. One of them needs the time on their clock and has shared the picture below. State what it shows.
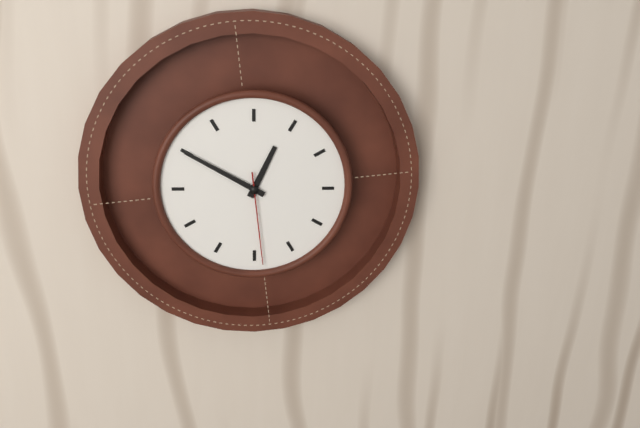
12:50:29
